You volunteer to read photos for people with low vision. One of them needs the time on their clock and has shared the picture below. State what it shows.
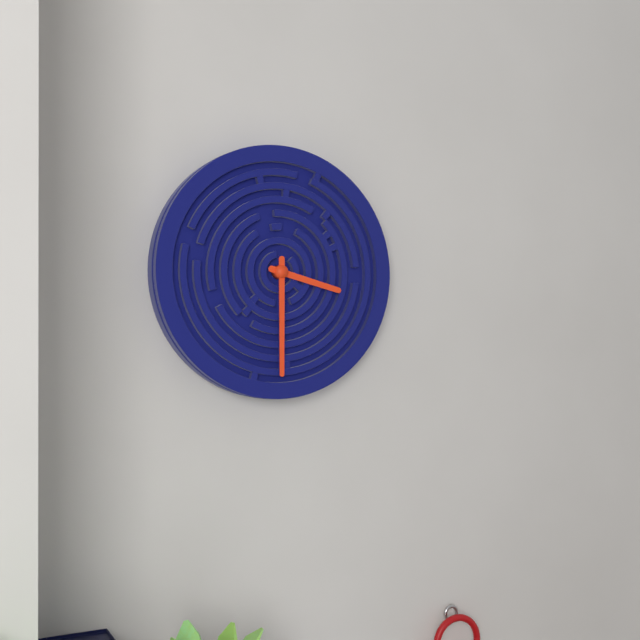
3:30
